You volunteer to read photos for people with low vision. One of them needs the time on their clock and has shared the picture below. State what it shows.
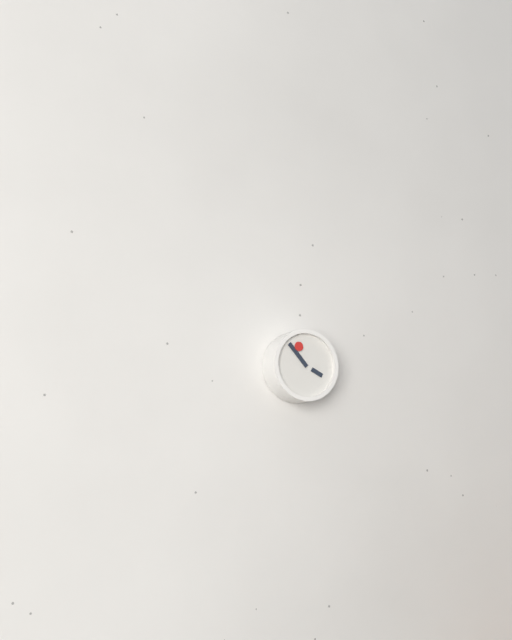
3:53
